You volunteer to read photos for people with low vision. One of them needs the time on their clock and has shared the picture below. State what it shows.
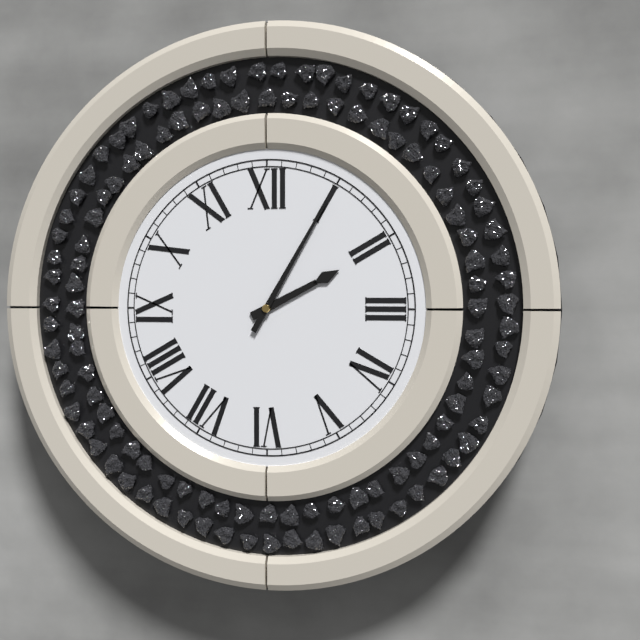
2:05
